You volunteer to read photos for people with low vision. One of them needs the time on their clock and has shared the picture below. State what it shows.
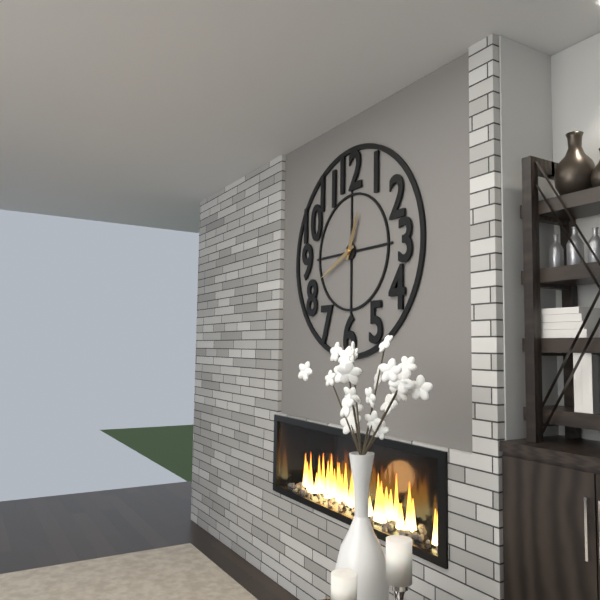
12:41
